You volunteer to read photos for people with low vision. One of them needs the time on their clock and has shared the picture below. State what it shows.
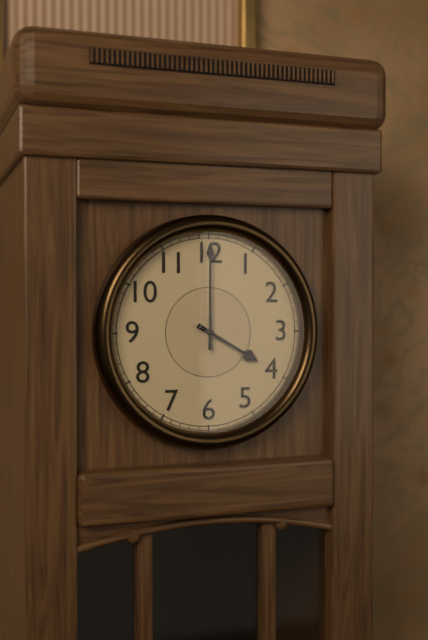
4:00
